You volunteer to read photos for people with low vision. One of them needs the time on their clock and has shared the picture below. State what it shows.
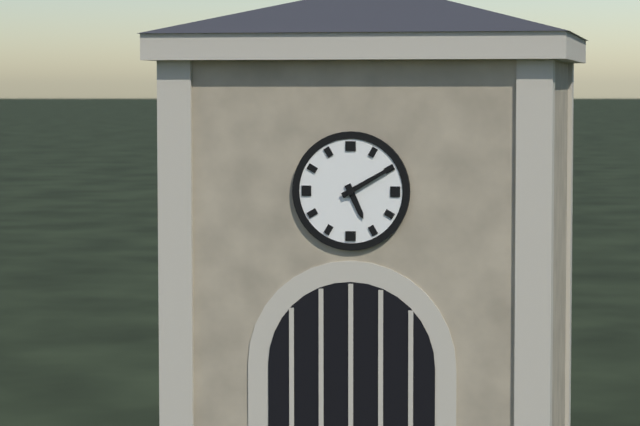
5:10
